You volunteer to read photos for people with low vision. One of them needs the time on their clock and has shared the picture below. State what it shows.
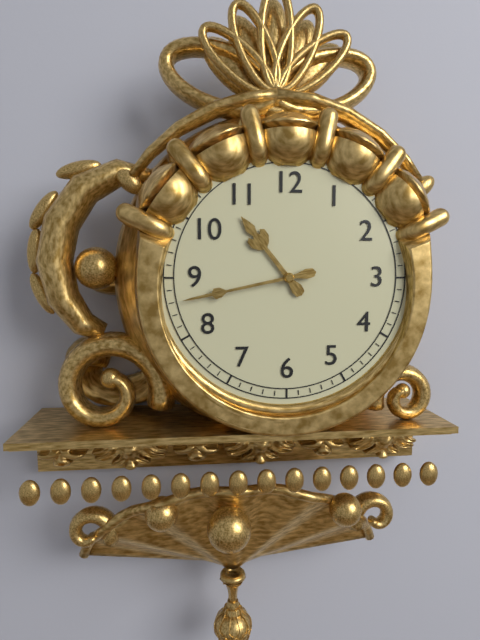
10:43
